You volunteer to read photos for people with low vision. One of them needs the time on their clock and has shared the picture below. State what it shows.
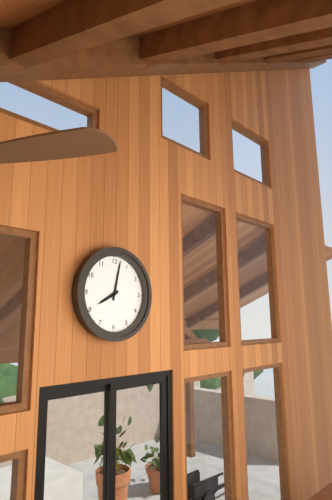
8:02
